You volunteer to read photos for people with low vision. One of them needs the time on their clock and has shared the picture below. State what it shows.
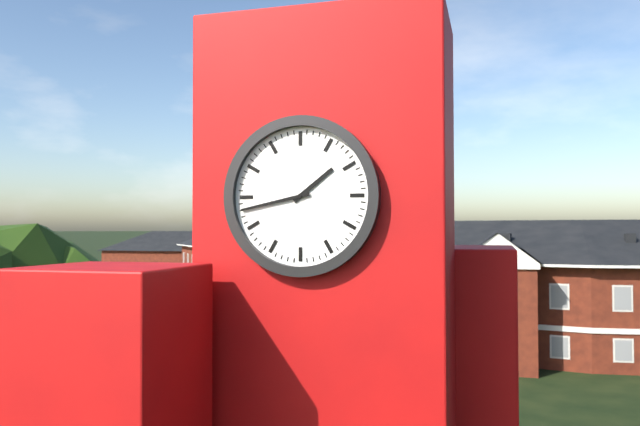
1:43
